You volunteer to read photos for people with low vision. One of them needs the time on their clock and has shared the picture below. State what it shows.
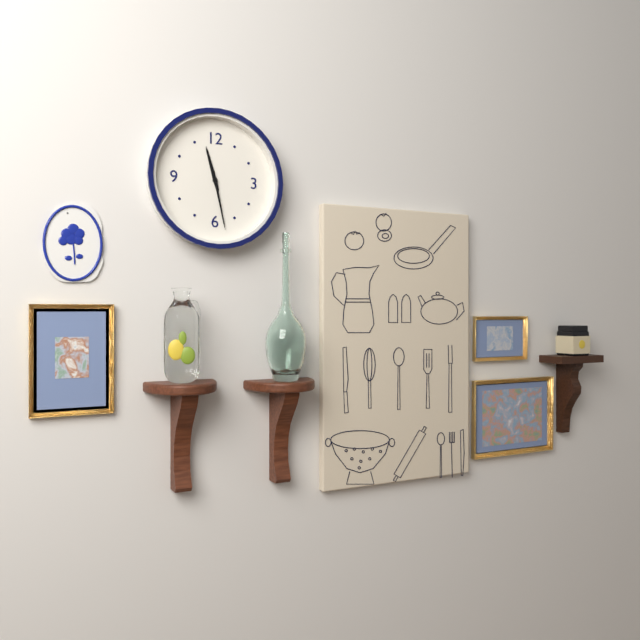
11:28
